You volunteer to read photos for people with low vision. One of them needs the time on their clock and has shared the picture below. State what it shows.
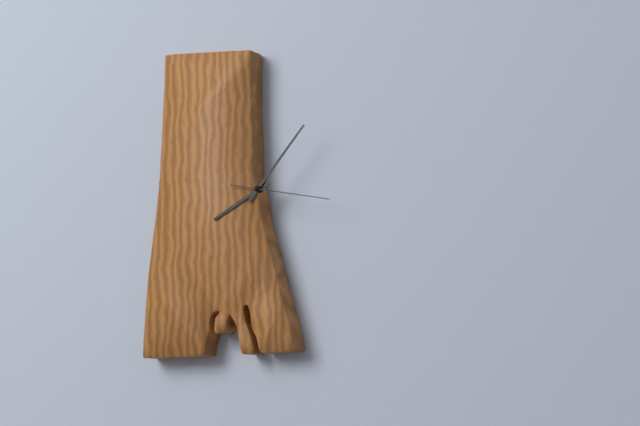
8:07:17
